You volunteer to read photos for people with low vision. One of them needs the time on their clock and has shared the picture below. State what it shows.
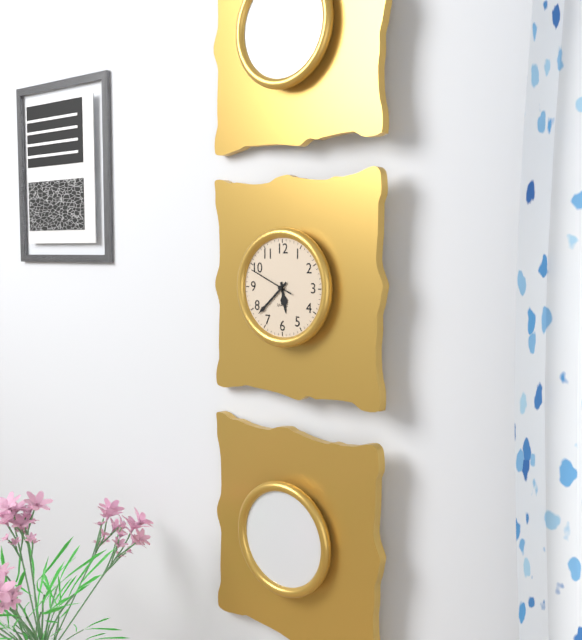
5:38
